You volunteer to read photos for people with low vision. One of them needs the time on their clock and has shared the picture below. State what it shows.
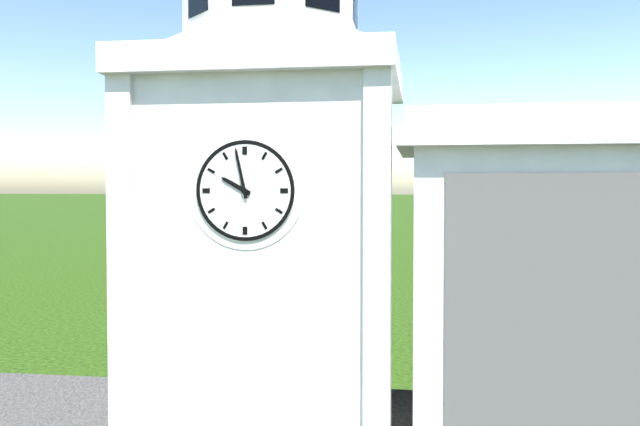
9:58
